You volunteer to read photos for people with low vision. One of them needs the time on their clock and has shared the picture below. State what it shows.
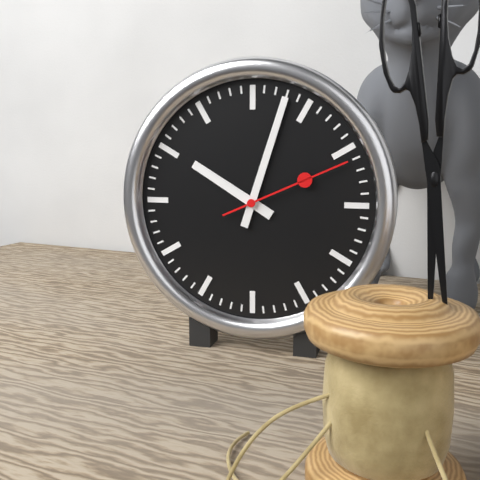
10:03:11
